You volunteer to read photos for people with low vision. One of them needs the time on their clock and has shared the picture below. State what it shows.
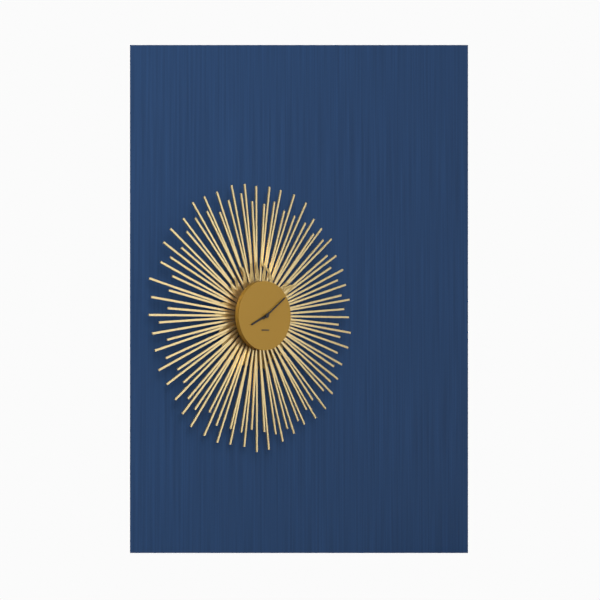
8:09
